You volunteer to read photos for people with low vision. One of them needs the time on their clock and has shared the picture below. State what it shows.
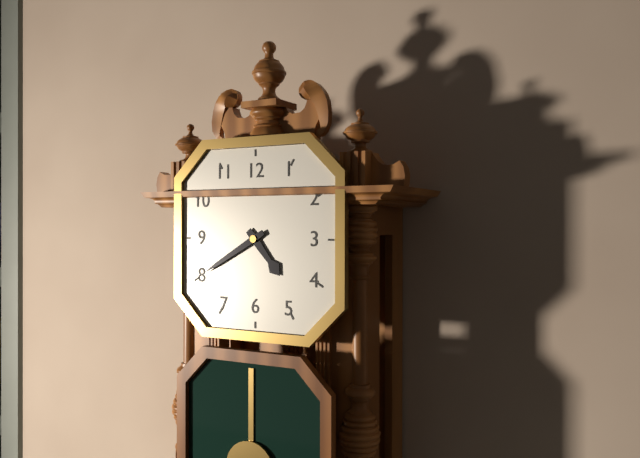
4:40
